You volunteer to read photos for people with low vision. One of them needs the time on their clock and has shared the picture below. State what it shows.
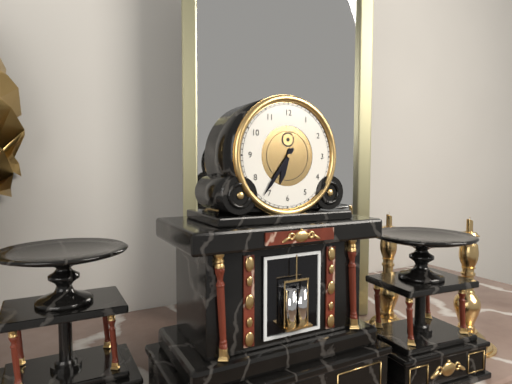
6:36
